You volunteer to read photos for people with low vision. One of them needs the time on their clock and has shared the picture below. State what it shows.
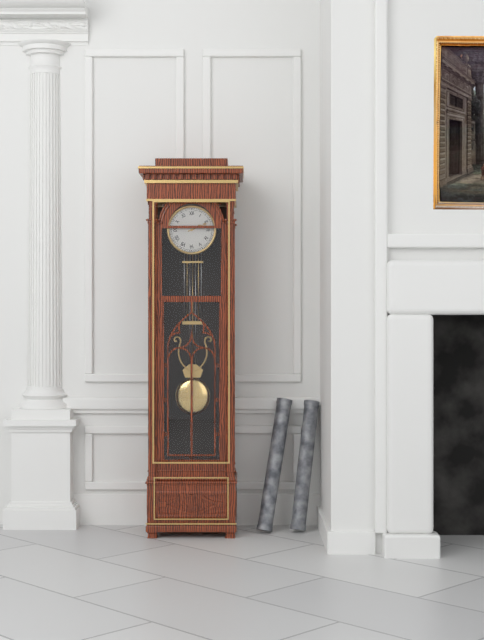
2:11
